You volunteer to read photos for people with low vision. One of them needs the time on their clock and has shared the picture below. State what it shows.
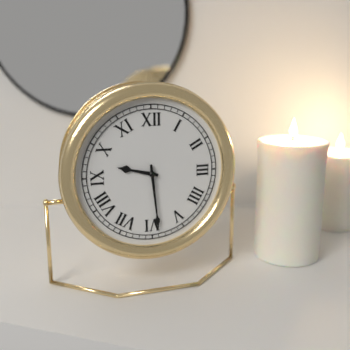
9:29
